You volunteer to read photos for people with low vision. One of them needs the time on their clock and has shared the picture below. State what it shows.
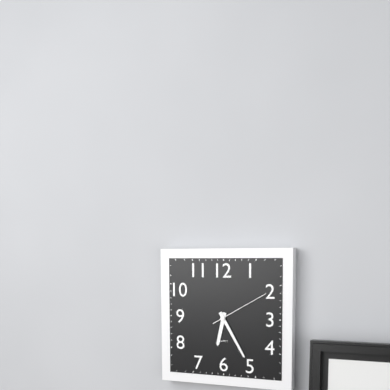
6:25:10
